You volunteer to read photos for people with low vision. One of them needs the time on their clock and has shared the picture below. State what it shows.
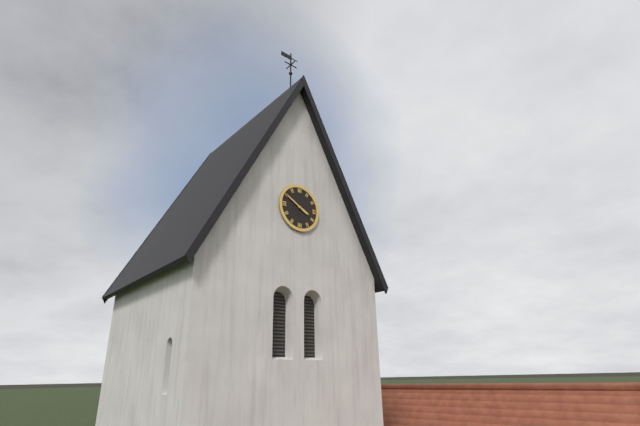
3:50
